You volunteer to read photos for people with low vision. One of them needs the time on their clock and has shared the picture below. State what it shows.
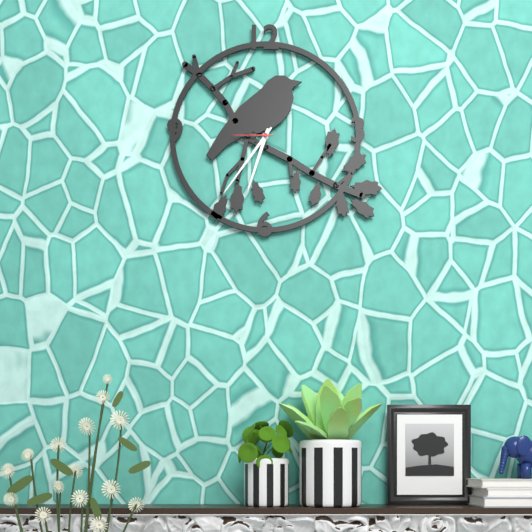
6:36
